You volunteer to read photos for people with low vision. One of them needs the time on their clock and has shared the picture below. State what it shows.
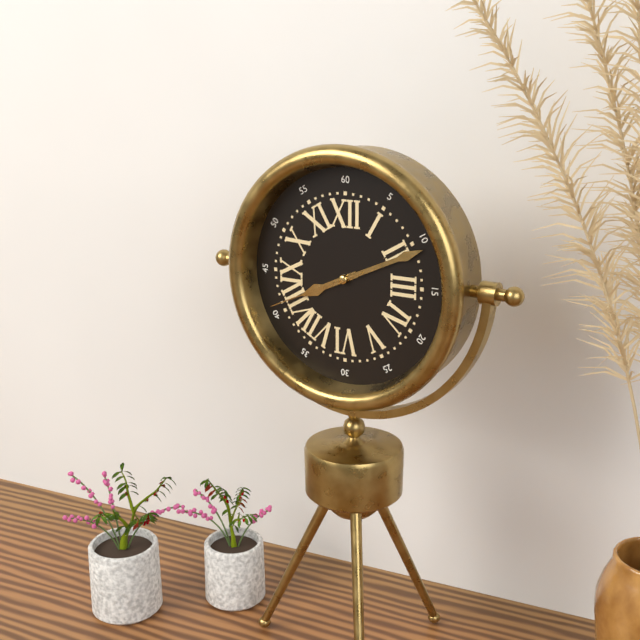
8:11:41
